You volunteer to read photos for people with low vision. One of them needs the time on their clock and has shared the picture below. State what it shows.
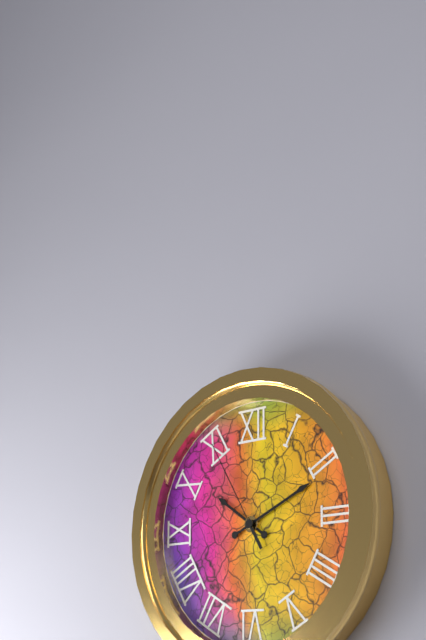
10:11:55
